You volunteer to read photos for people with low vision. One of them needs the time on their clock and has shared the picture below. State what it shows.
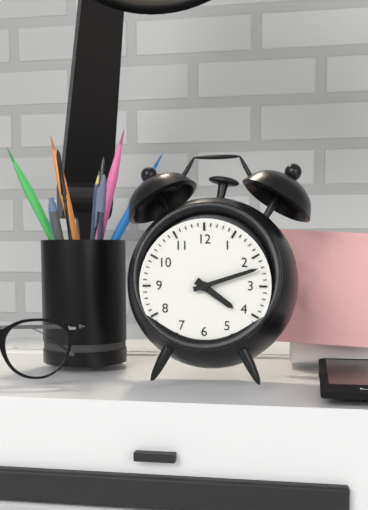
4:12
